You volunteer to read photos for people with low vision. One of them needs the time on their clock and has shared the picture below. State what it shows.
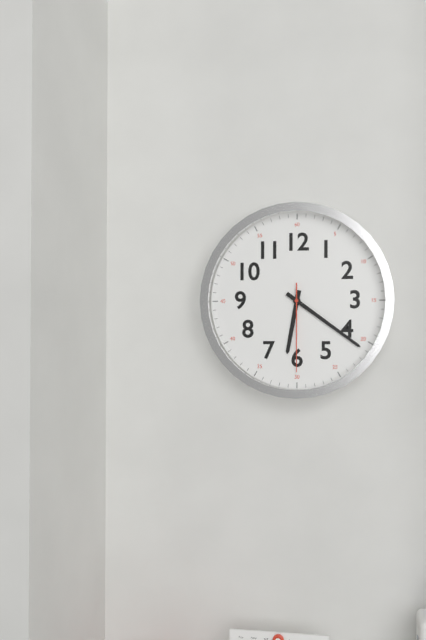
6:21:30
